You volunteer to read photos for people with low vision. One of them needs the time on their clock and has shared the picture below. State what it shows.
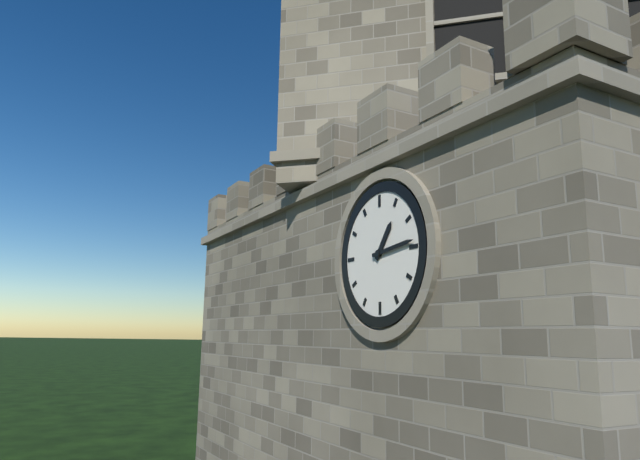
1:14
